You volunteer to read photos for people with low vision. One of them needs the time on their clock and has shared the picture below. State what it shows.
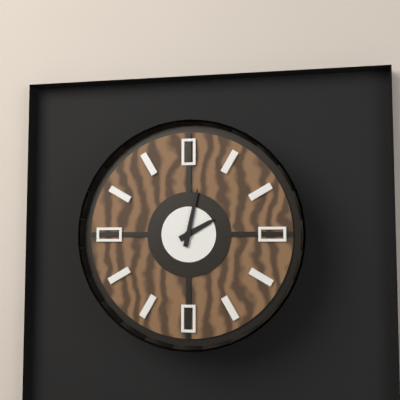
2:02
